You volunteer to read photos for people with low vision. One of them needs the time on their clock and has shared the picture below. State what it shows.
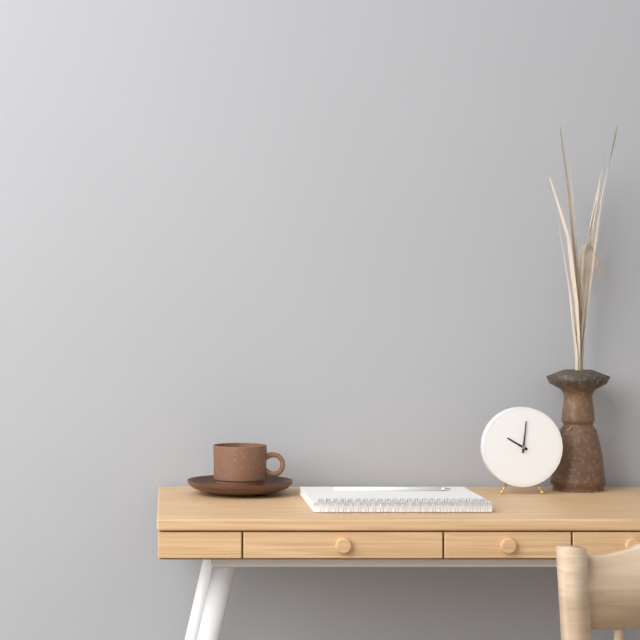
10:01
